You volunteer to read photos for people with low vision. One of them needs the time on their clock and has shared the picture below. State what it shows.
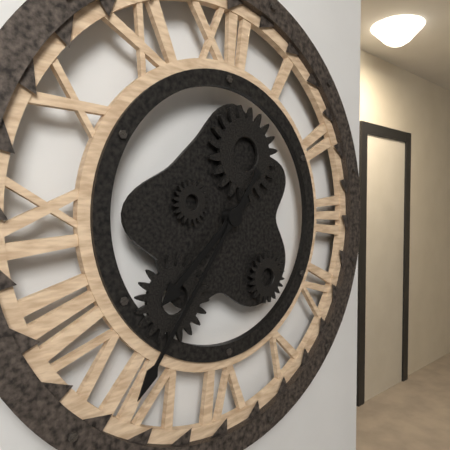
7:36
